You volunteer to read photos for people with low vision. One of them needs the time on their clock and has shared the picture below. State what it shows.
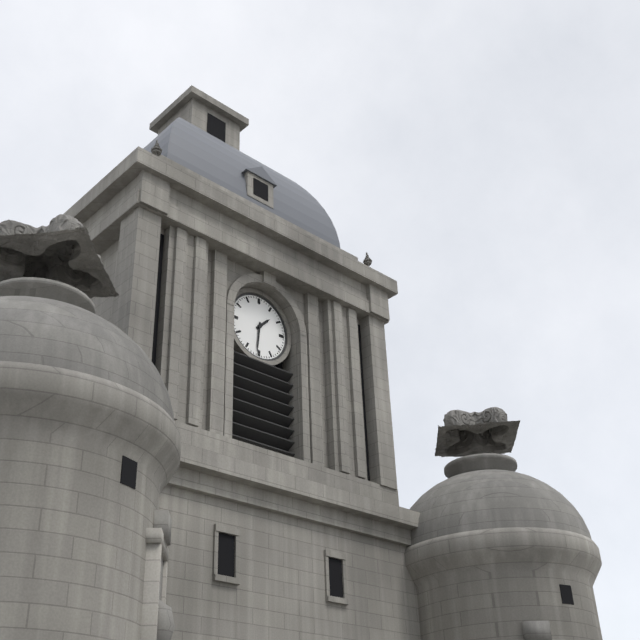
1:31
